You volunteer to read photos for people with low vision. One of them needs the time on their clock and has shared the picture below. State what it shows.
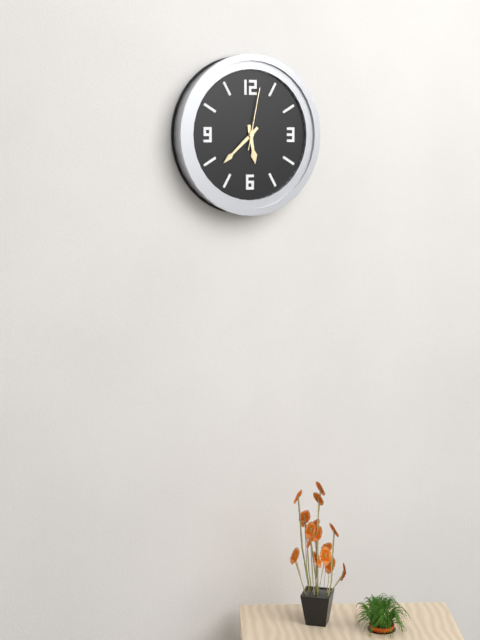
5:38:02
